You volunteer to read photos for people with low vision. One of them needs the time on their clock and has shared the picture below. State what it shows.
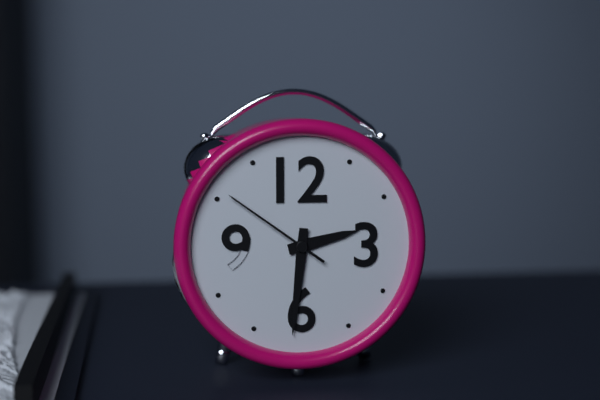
2:31:51
